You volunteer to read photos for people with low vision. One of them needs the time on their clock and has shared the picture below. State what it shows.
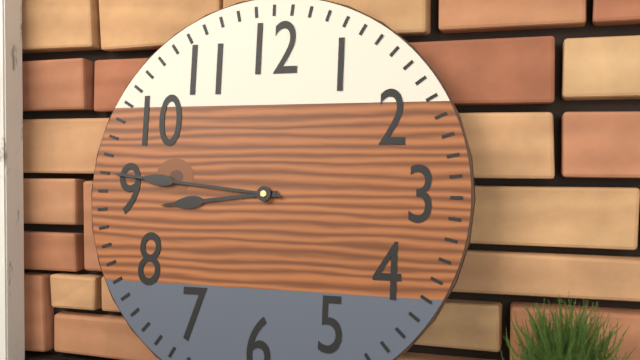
8:46
